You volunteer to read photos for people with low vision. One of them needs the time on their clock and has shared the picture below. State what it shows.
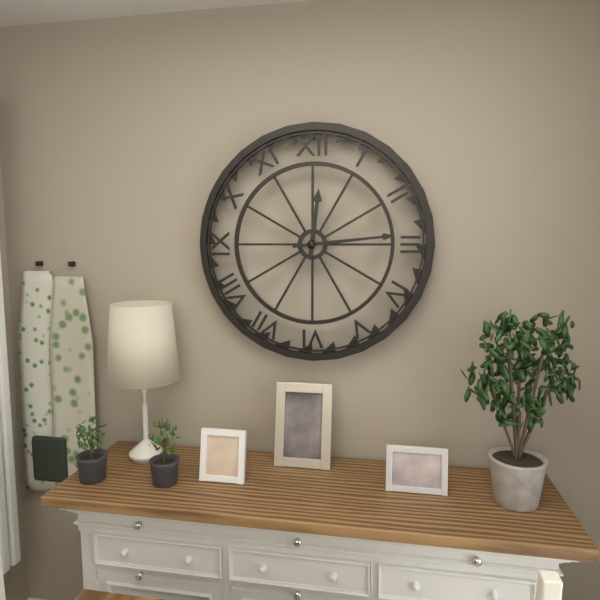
12:14
